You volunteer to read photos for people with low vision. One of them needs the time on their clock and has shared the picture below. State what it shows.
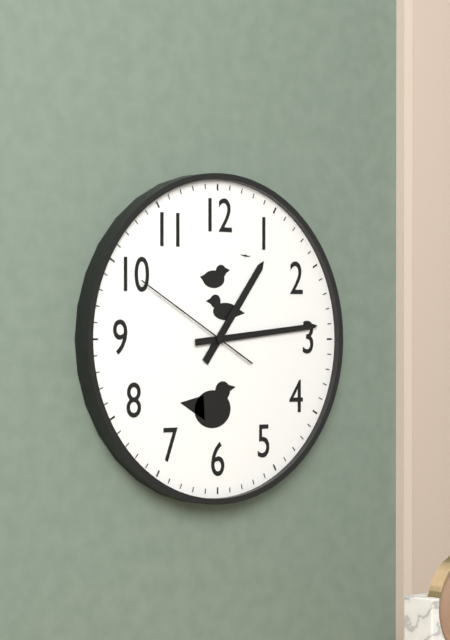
1:14:50
